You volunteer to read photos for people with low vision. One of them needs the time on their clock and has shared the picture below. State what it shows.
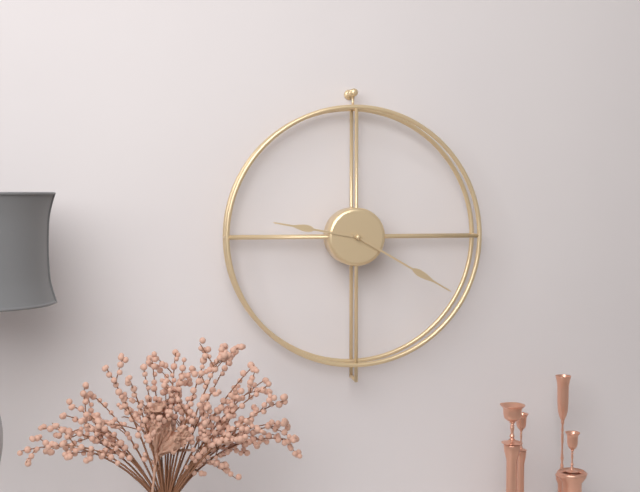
9:20
